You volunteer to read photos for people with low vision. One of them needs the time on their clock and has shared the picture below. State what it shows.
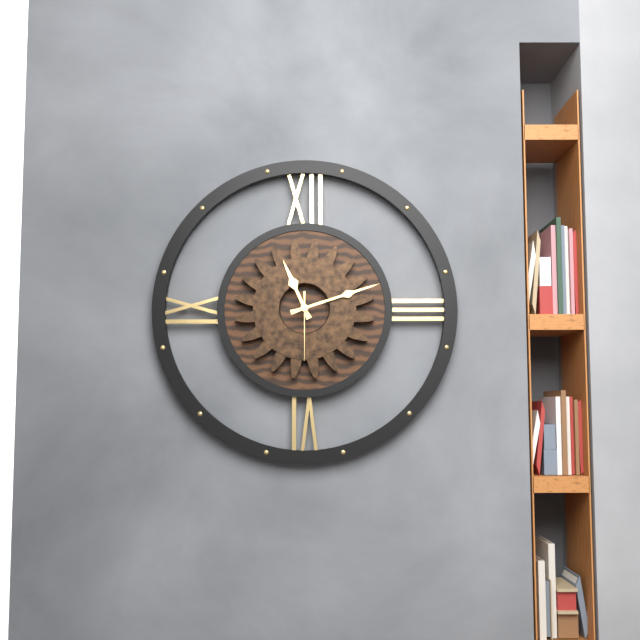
11:12:30
